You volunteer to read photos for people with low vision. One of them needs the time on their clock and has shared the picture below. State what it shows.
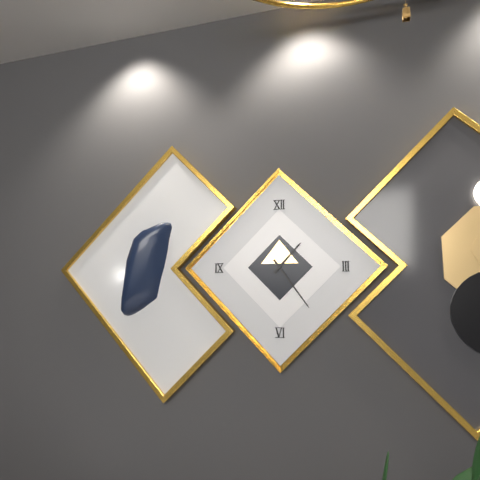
1:24
